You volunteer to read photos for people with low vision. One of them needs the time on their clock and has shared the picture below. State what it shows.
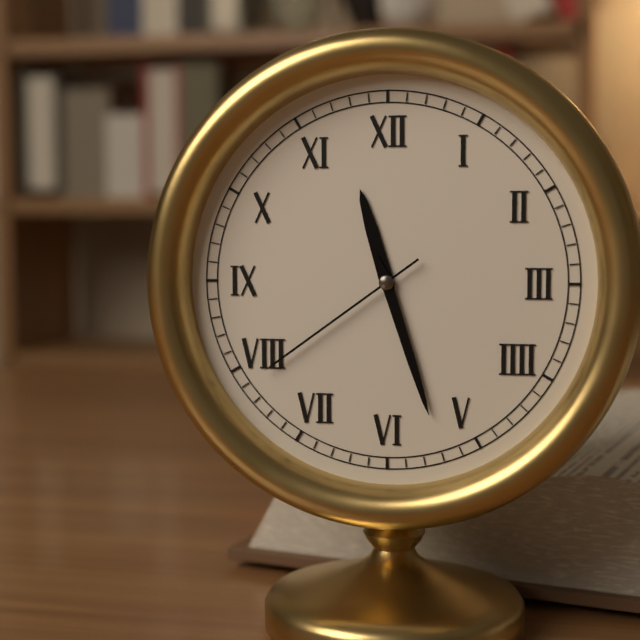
11:27:39
